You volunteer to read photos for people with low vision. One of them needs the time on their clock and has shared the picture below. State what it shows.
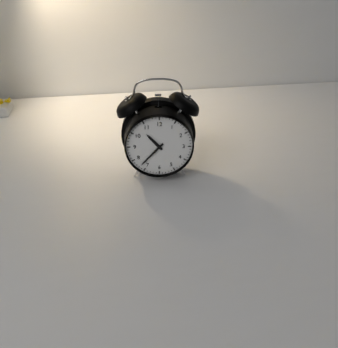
10:37
